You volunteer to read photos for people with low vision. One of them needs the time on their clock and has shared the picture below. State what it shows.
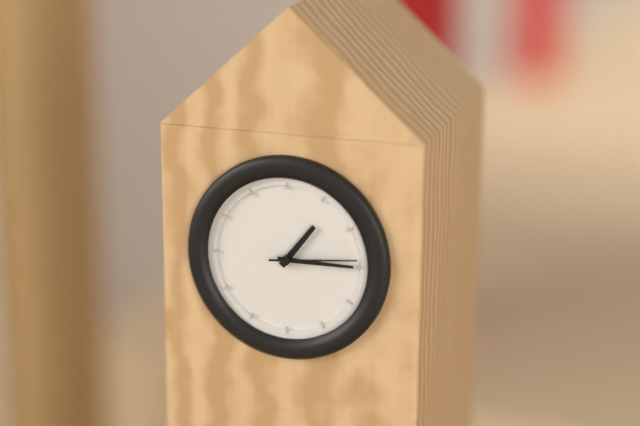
1:15:14
